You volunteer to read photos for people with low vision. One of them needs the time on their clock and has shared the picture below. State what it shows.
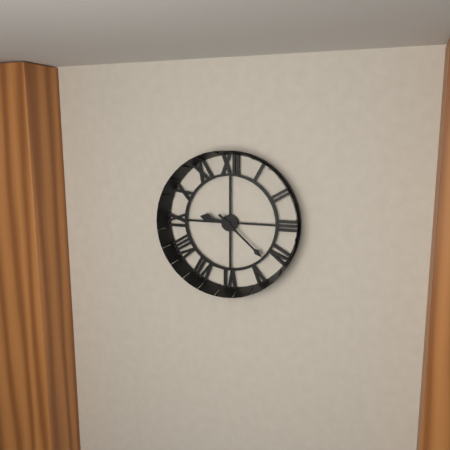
9:22
